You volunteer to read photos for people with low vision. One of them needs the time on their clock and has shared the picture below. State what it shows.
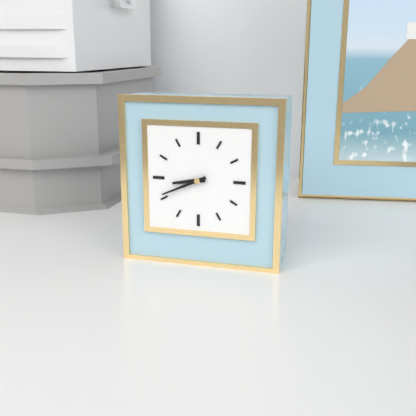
8:41
